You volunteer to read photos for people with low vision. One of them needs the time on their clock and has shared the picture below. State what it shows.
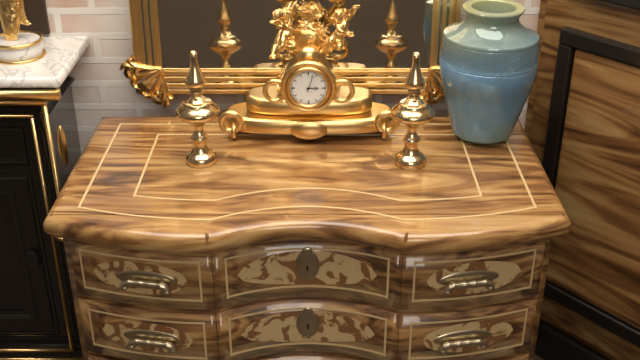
3:03
